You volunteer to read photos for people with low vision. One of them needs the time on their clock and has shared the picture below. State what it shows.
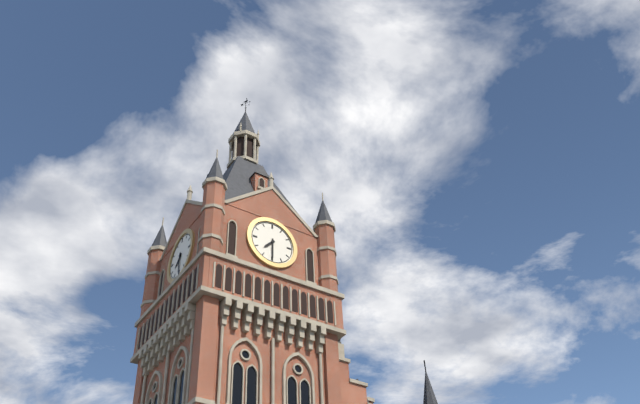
7:30
